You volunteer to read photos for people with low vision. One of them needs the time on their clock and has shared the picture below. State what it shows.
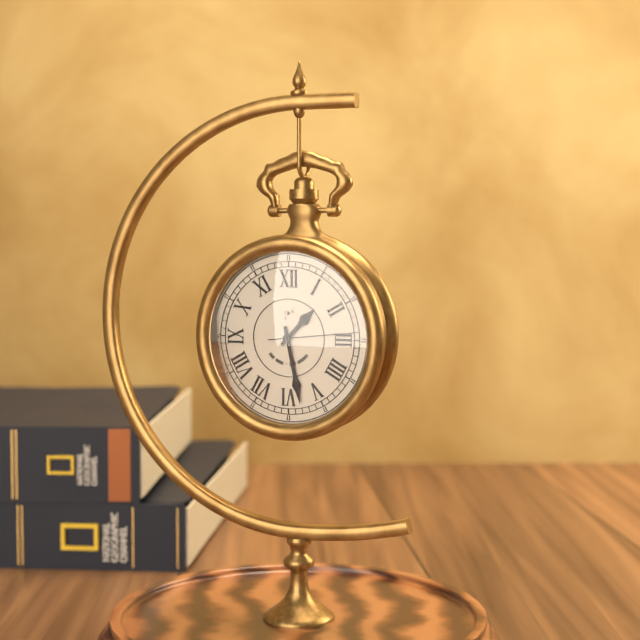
1:28:14
